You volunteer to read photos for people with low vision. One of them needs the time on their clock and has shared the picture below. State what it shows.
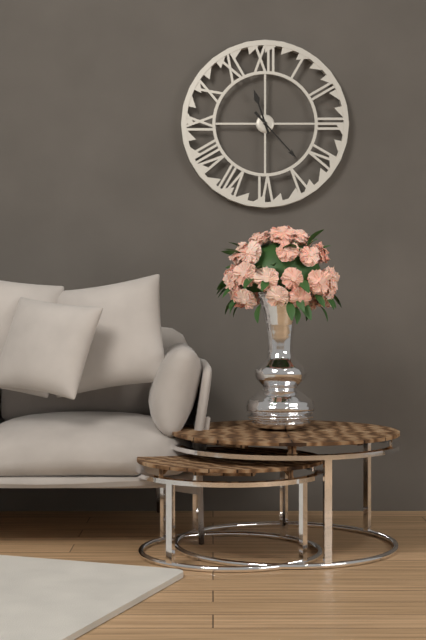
11:23
